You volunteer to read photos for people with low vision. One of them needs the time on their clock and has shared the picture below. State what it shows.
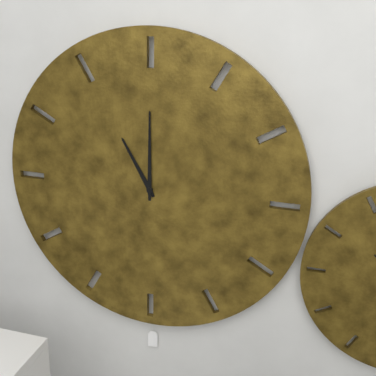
11:00
